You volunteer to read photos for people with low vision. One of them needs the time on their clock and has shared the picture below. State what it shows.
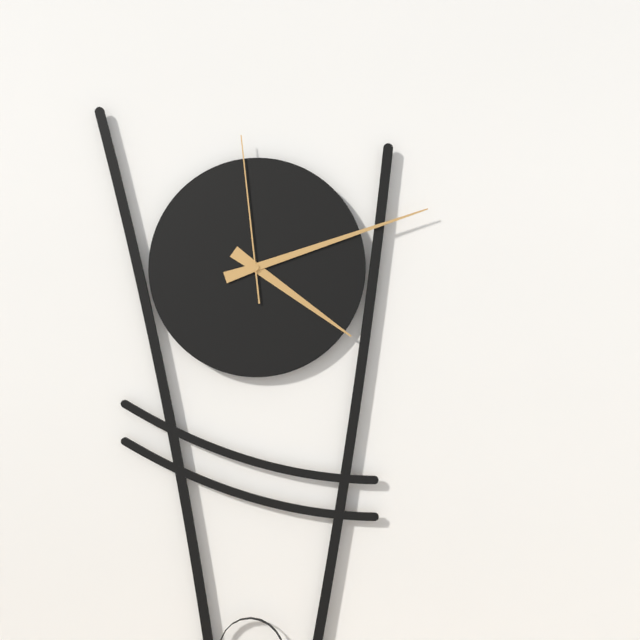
4:12:59
